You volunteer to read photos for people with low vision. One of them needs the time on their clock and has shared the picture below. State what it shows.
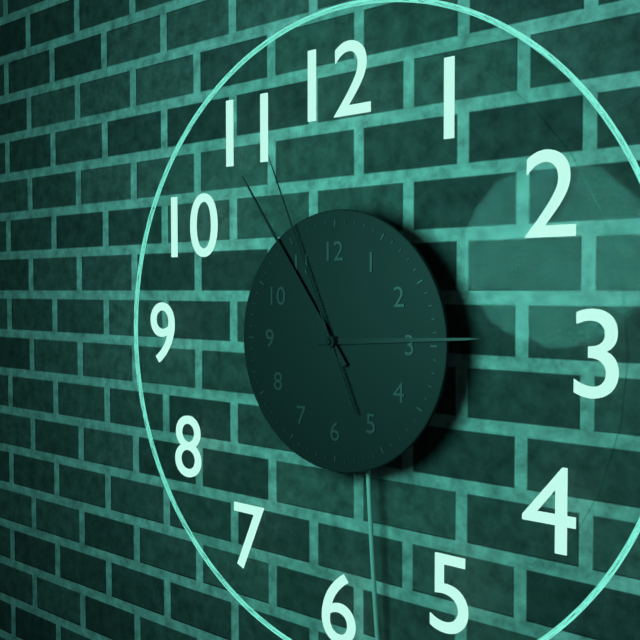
2:54:56
